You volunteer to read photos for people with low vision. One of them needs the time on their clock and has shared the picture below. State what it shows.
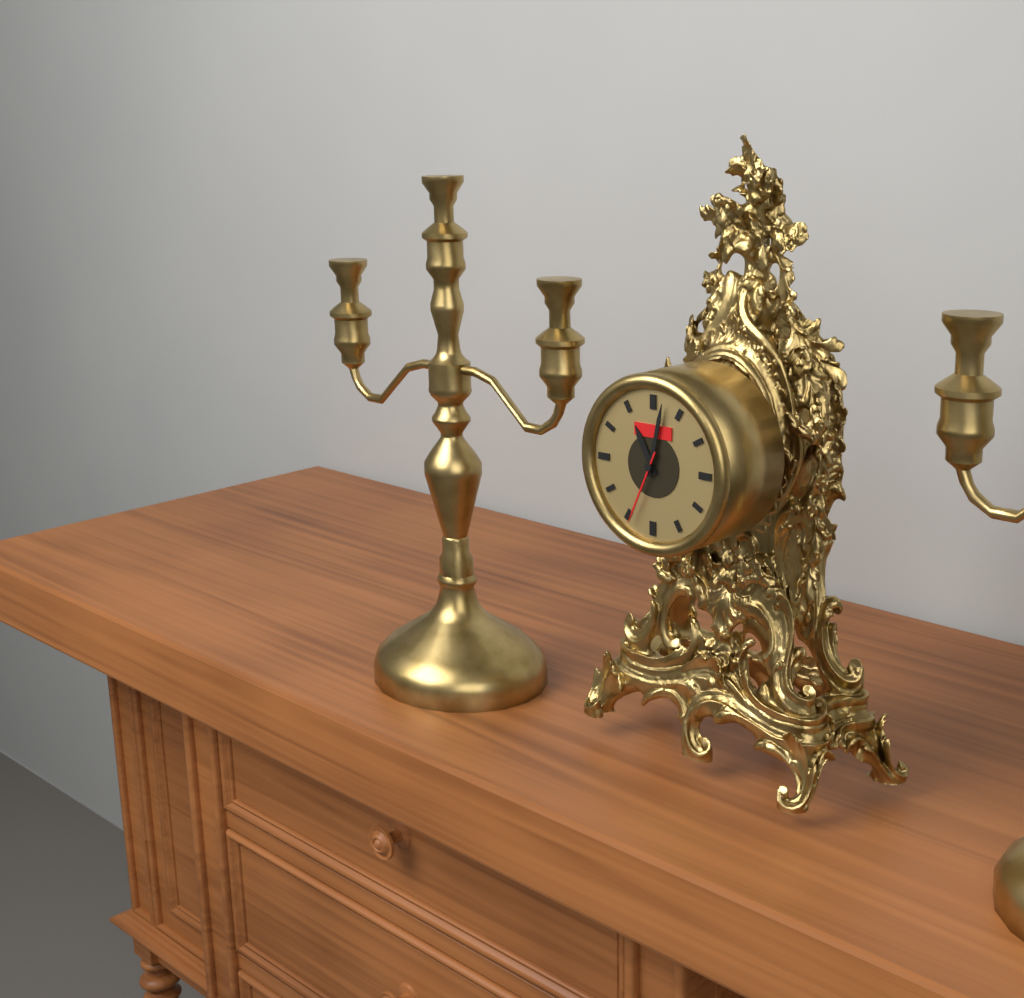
11:02:34
